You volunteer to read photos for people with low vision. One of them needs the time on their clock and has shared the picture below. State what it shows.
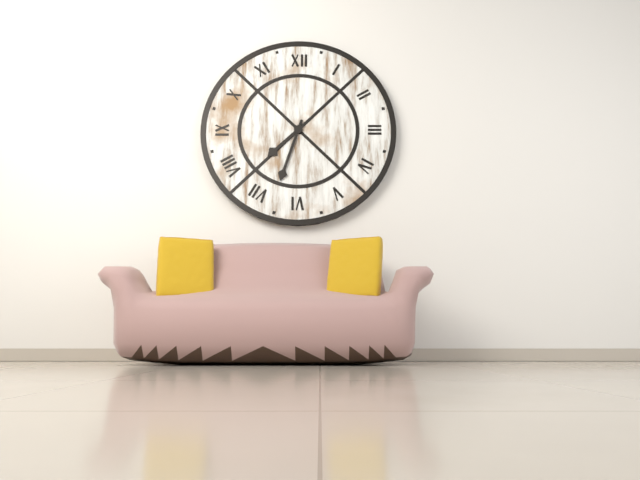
7:33
